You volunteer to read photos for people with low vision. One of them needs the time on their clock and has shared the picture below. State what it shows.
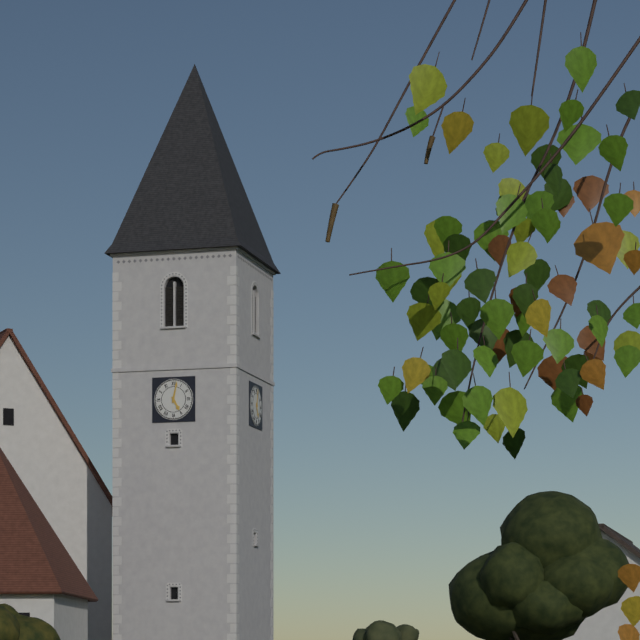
5:02
